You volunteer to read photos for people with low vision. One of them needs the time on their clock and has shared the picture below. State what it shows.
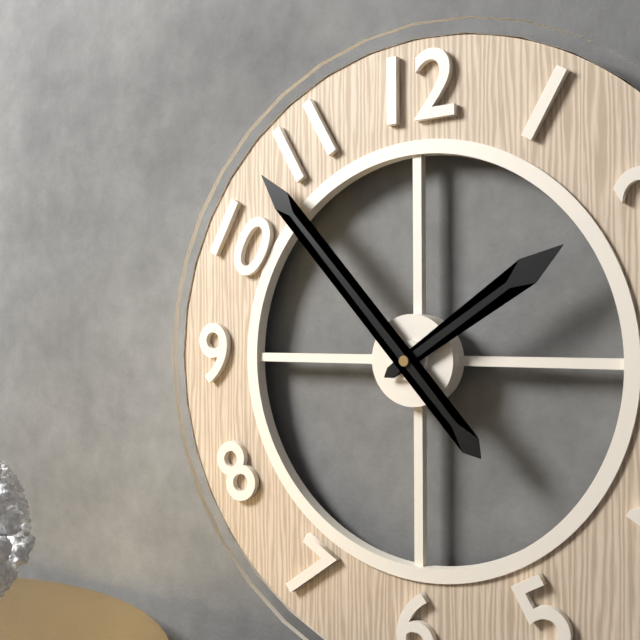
1:53
